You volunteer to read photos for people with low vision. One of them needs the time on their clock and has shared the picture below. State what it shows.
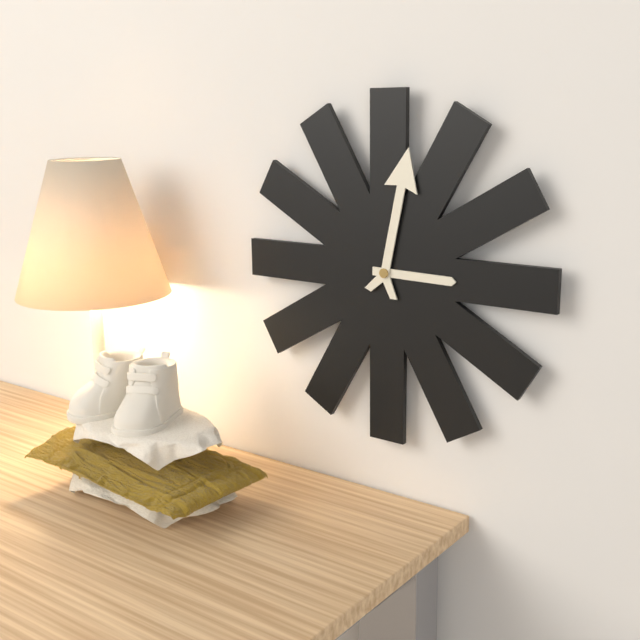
3:02
